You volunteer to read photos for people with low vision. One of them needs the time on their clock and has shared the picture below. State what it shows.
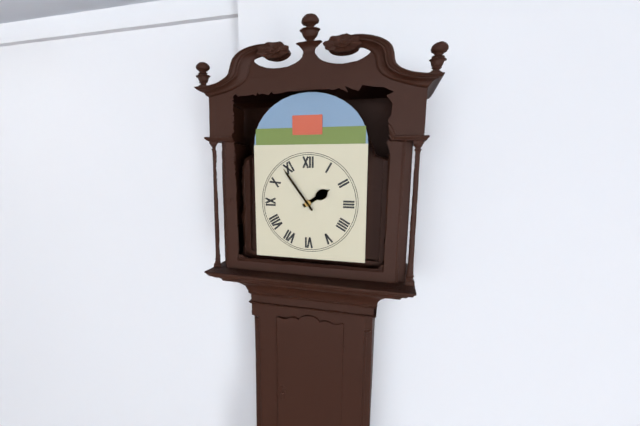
1:54
